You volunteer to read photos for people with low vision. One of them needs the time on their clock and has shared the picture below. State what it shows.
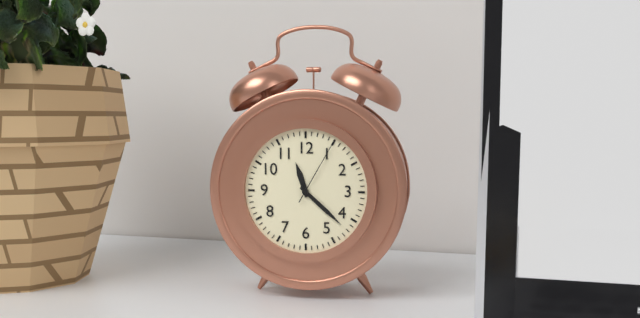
11:22:05
